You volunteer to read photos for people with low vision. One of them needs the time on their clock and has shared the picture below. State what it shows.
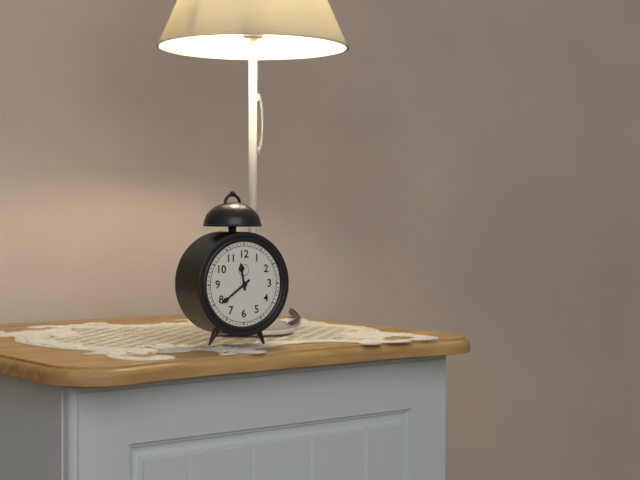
11:39
